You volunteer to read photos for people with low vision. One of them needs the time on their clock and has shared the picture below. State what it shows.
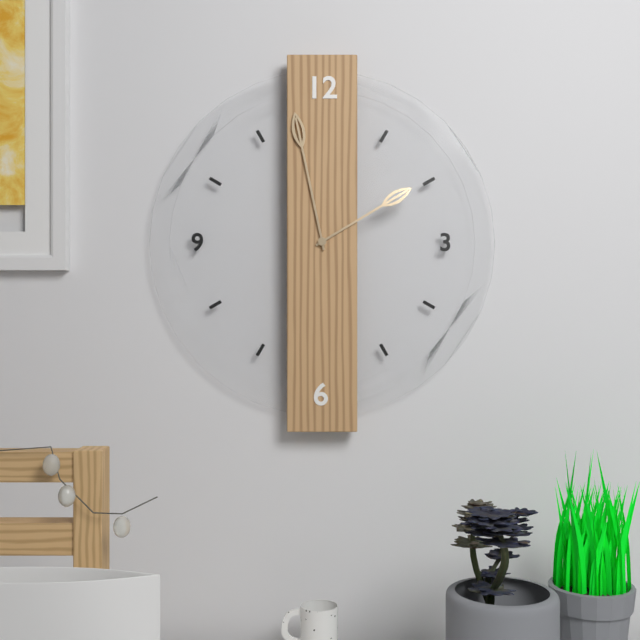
1:58
